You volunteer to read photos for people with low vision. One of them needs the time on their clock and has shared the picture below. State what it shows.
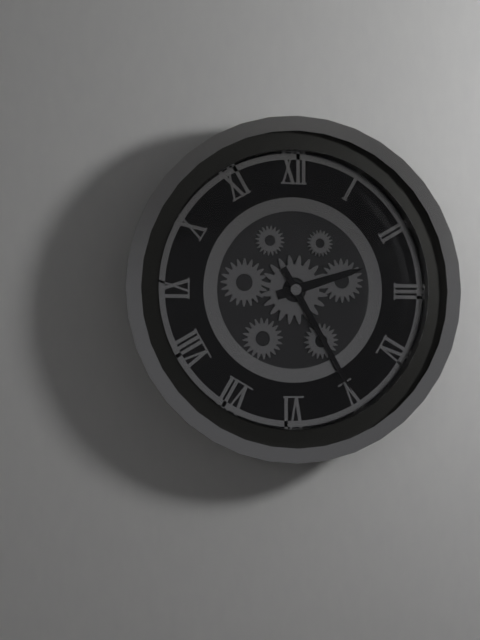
2:25
